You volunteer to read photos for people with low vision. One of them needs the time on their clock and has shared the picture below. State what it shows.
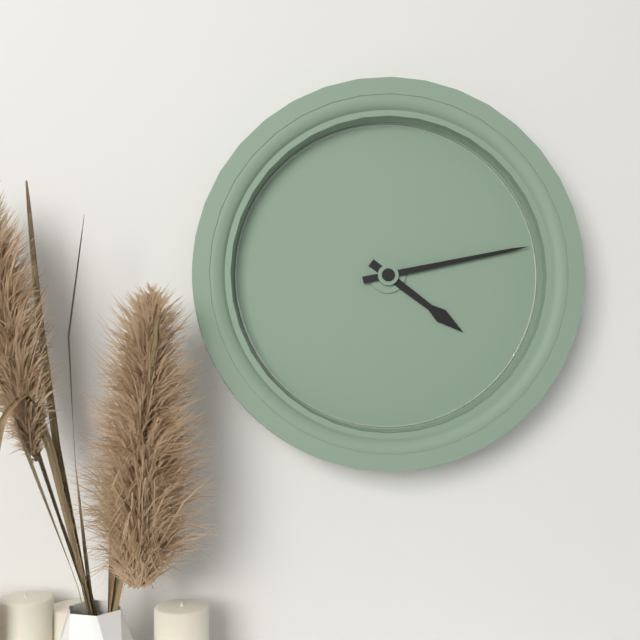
4:13
